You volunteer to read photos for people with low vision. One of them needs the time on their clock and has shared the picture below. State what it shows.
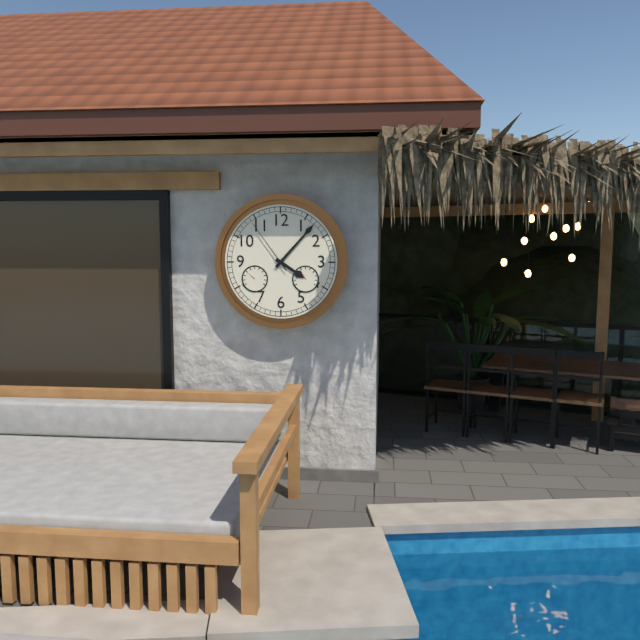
4:07:54
